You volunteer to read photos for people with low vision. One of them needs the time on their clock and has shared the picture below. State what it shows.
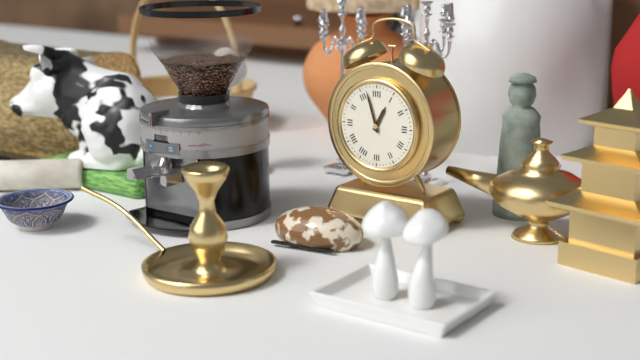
12:57
